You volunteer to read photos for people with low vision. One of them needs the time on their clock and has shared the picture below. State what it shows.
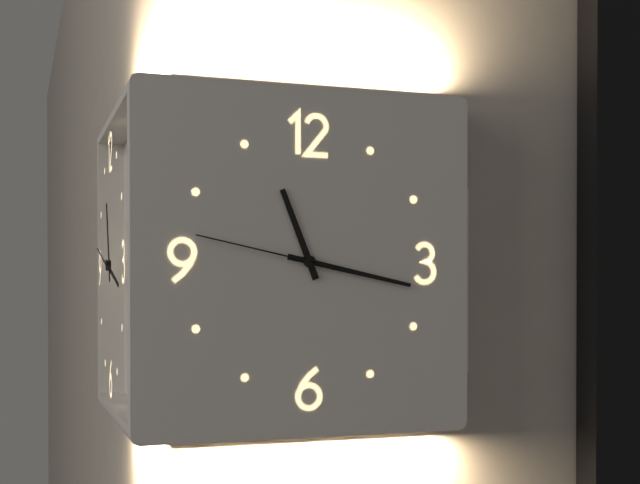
11:17:47
